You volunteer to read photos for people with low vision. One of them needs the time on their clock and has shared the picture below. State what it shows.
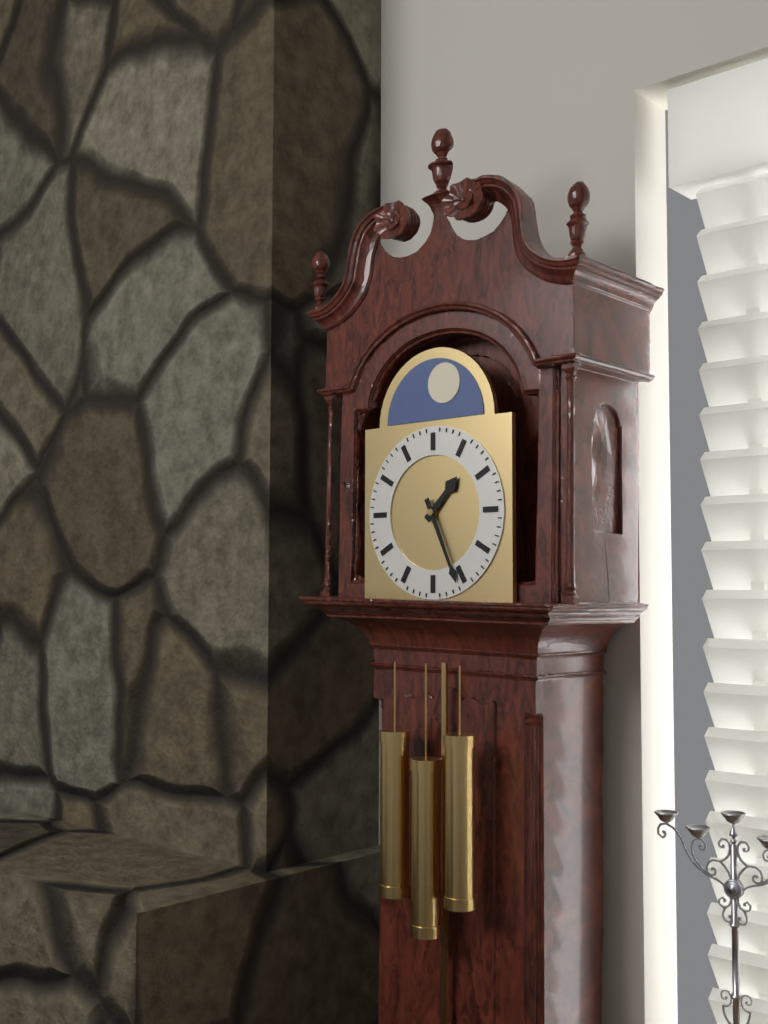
1:26
